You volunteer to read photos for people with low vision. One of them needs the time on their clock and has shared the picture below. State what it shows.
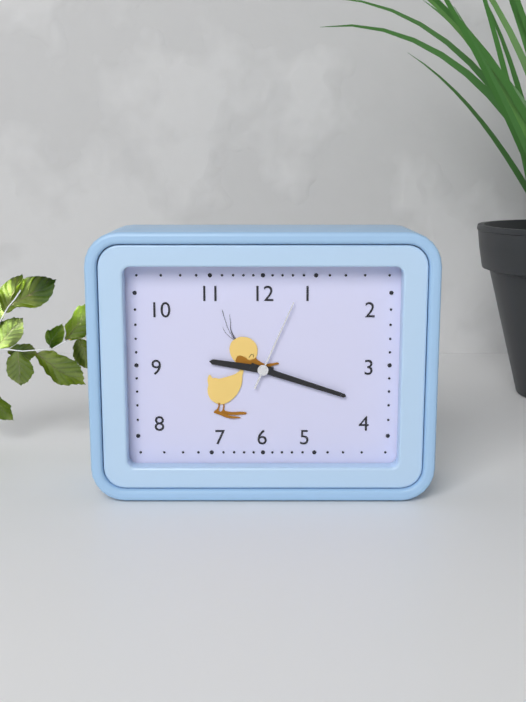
9:18:04
